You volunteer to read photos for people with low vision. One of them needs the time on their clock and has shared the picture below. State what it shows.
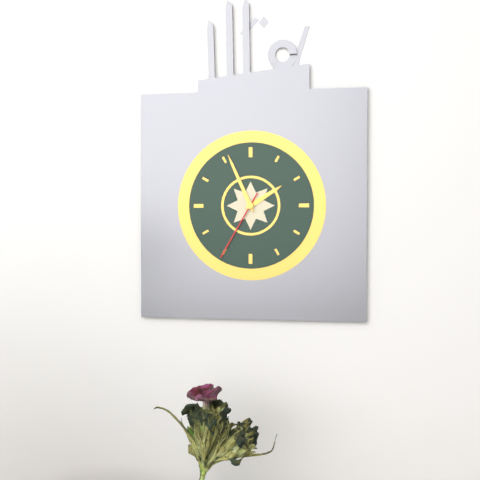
1:56:35
